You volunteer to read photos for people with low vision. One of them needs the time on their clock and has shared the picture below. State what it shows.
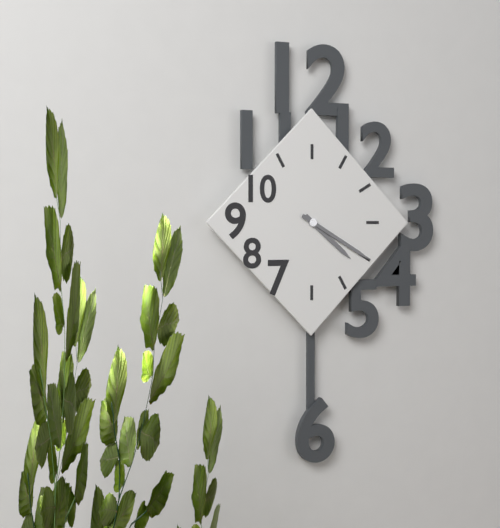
4:20
